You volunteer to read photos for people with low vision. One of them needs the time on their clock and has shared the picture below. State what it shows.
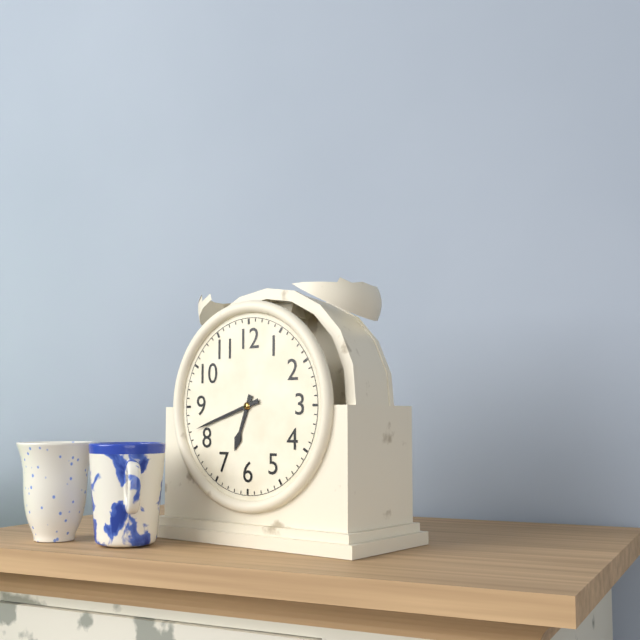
6:42
